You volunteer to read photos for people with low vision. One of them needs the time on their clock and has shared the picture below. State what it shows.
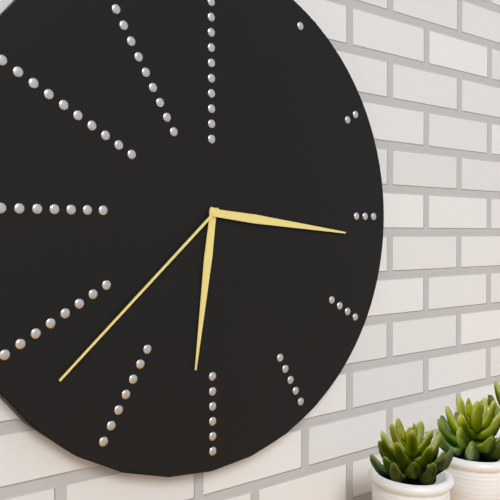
6:16:38
